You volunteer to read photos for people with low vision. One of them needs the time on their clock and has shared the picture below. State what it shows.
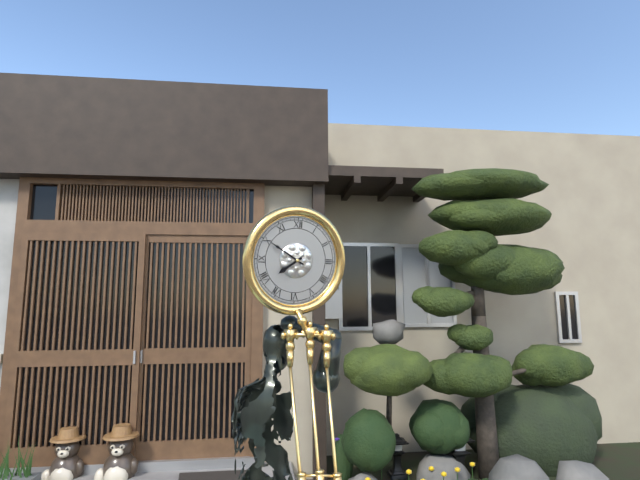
7:50
